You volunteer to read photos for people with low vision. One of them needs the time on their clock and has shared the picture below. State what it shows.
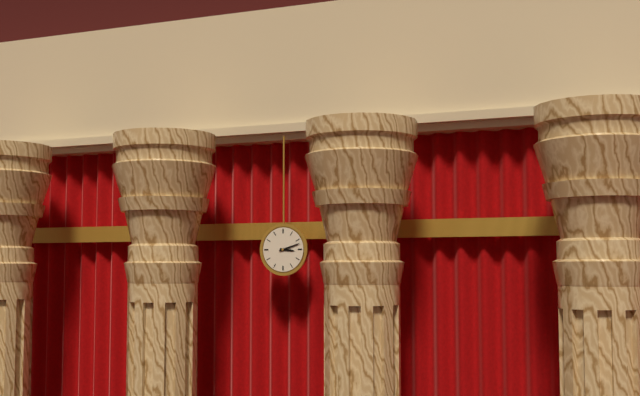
3:12
